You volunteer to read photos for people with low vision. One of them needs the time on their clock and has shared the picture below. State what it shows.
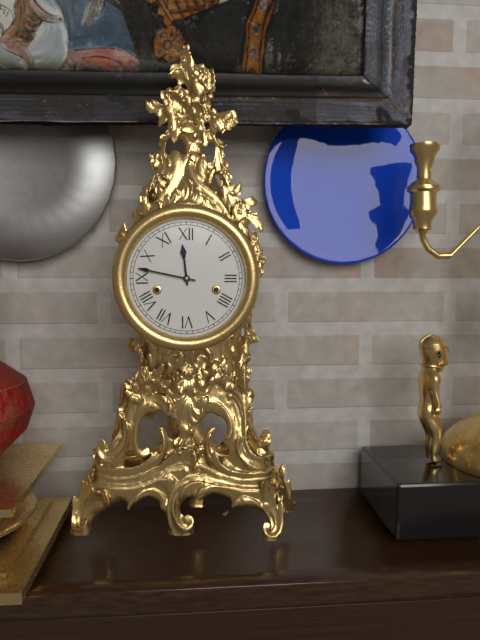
11:47
